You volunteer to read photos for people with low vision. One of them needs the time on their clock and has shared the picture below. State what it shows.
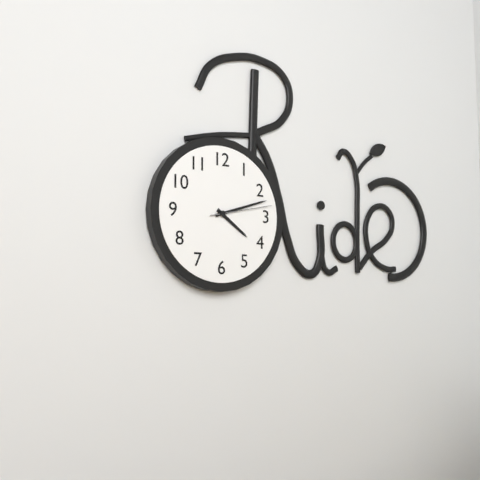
4:12:13
